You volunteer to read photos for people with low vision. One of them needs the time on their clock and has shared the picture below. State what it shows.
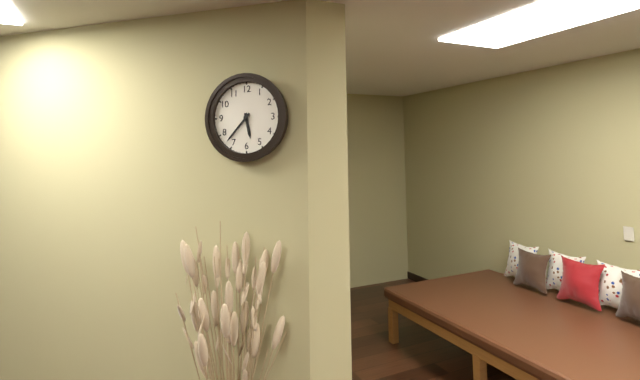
5:37
